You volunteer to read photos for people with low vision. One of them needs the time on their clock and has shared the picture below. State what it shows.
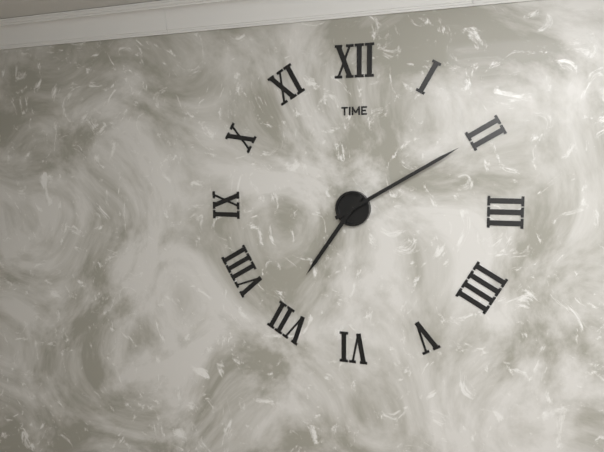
7:10
